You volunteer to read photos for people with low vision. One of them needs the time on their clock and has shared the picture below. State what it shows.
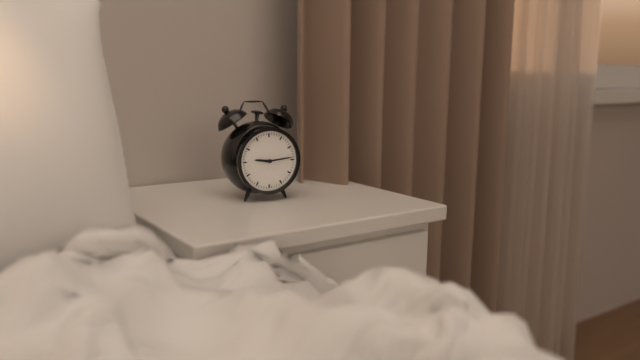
9:14
